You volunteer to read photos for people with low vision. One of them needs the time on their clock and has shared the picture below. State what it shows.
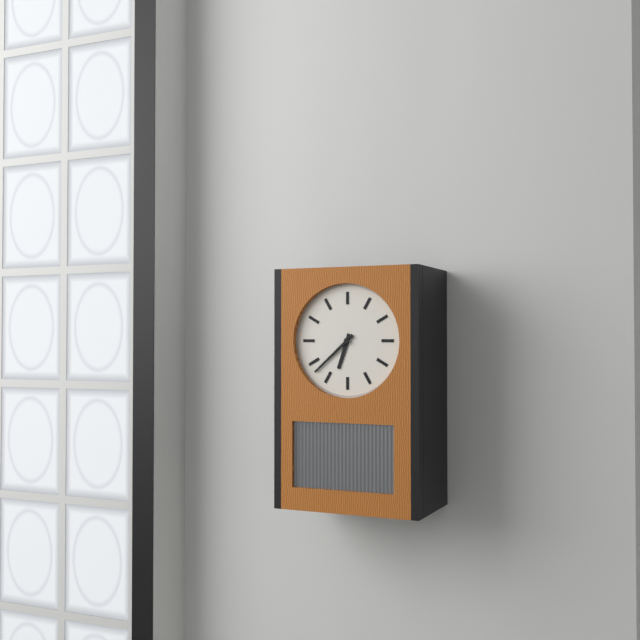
6:38
